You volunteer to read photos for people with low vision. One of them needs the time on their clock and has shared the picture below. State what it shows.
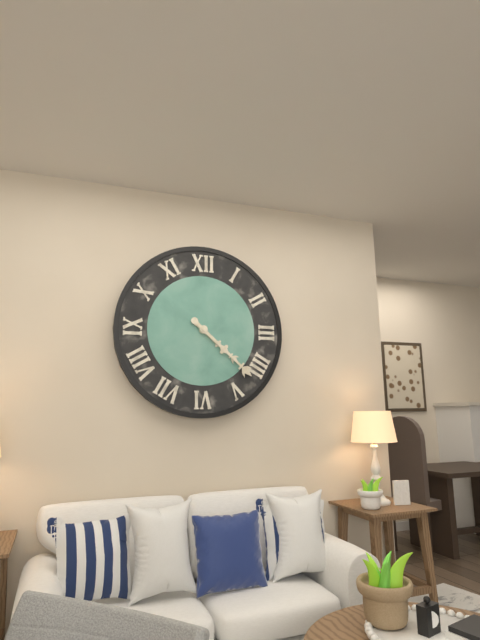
4:22
